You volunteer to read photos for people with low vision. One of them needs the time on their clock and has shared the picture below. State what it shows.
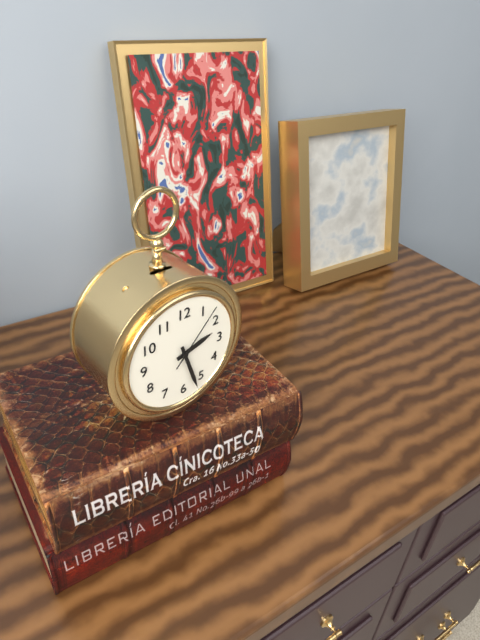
2:27:07
